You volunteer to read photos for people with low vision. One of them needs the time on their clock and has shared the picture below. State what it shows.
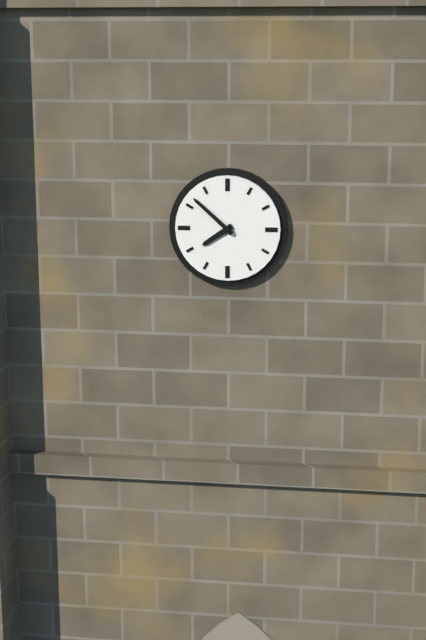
7:52
